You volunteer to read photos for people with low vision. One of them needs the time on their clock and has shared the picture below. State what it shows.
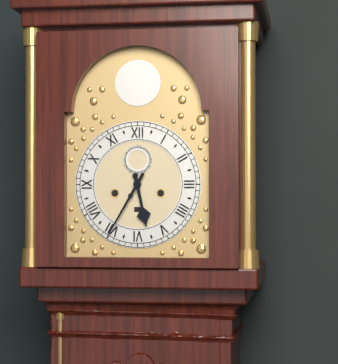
5:35
